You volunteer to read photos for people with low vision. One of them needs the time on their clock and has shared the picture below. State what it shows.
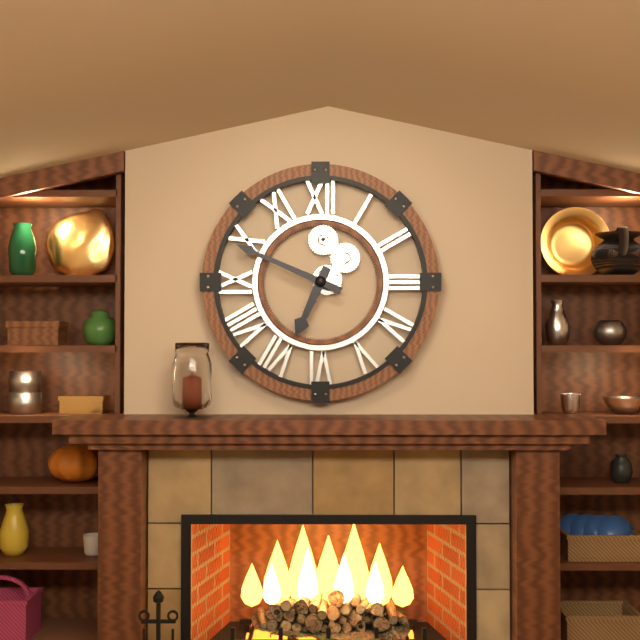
6:49
